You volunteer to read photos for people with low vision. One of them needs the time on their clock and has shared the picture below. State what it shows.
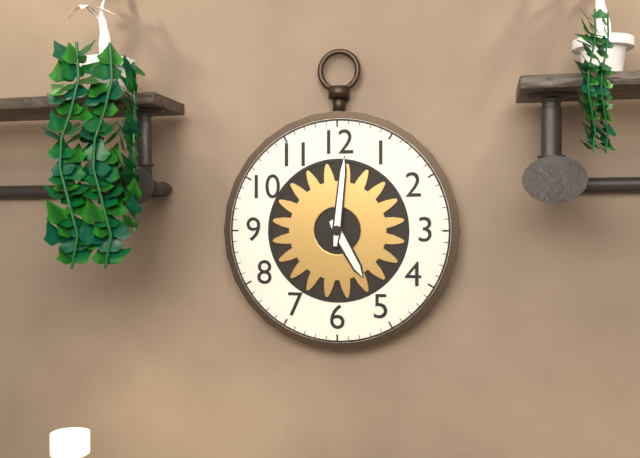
5:01
